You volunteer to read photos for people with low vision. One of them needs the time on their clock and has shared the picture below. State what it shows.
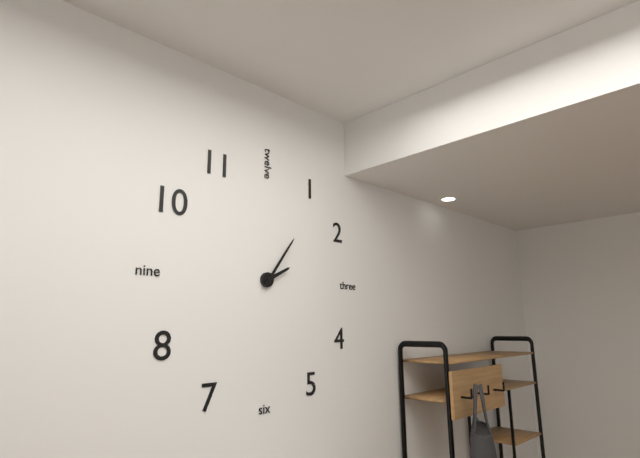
2:06
